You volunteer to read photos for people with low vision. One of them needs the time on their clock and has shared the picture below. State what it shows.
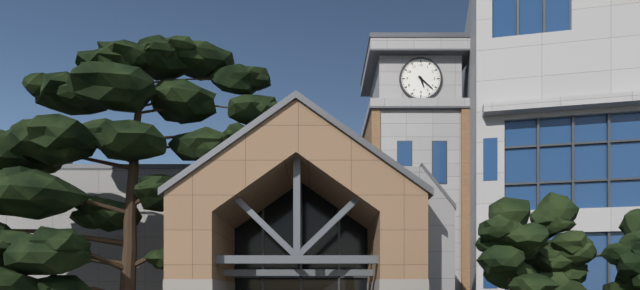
5:22
